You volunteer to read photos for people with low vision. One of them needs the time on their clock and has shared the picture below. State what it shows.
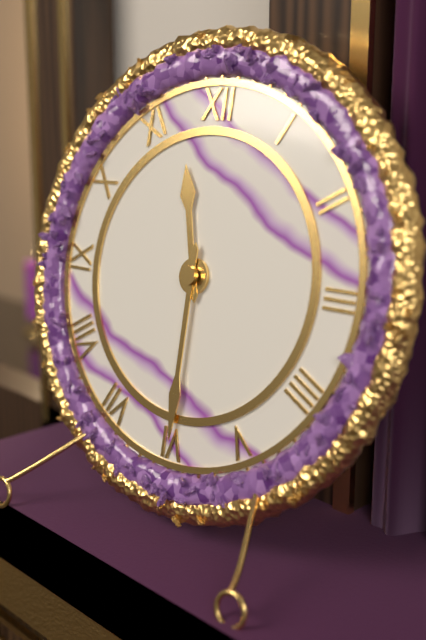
11:30
